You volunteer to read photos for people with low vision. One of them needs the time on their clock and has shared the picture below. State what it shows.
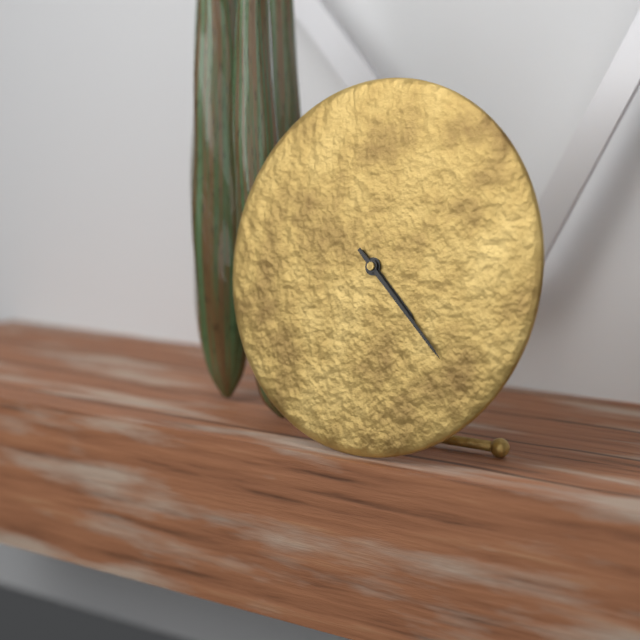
4:22
